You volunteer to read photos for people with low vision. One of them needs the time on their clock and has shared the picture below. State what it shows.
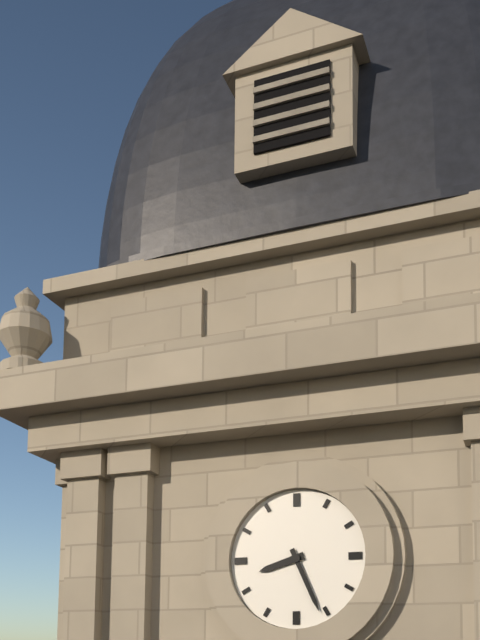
8:26
